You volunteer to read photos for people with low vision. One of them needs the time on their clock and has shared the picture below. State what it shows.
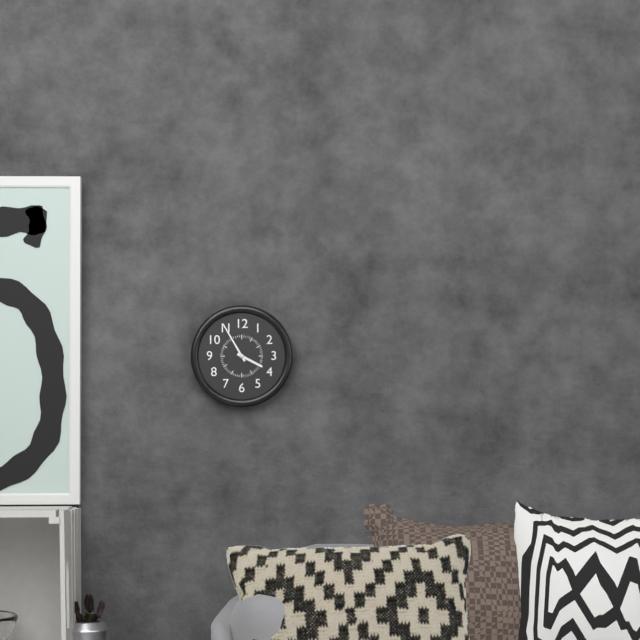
3:55
